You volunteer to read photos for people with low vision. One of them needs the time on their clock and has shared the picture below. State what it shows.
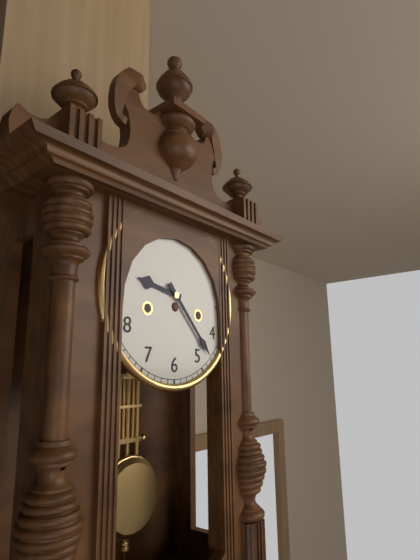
9:23
